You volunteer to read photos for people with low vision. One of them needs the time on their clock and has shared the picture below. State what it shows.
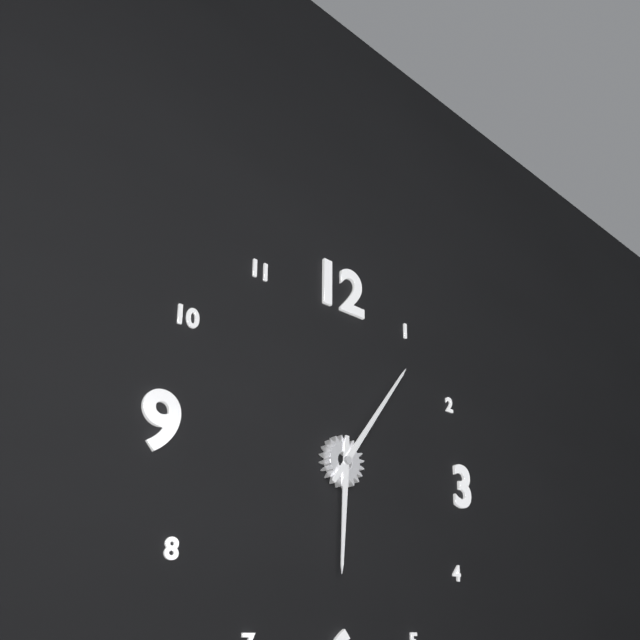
6:06
